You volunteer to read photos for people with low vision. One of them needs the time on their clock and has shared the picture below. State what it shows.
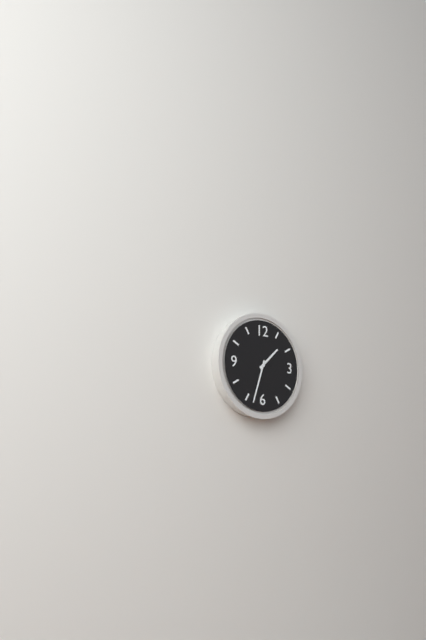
1:33
